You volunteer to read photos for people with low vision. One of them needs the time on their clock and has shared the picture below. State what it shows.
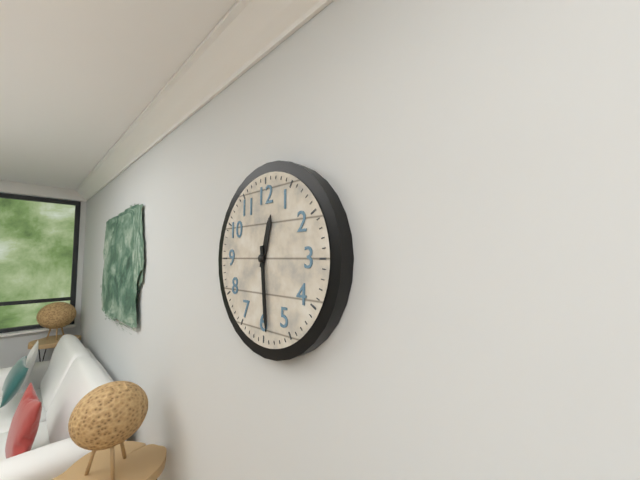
12:29
